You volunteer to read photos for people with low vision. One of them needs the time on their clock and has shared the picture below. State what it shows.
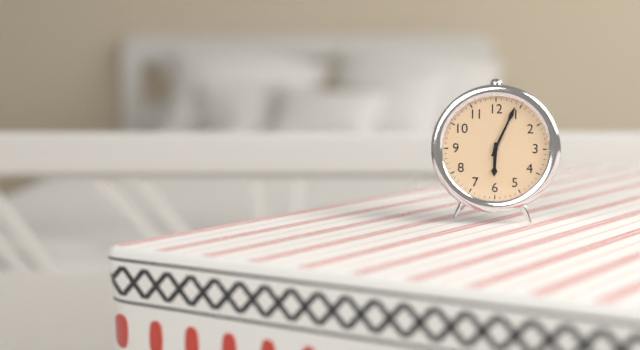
6:04
